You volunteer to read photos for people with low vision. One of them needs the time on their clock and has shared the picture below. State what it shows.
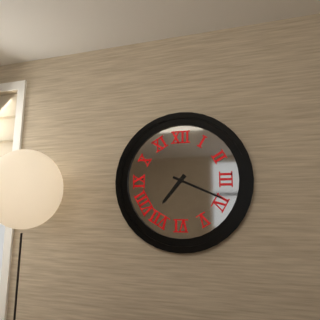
7:19
